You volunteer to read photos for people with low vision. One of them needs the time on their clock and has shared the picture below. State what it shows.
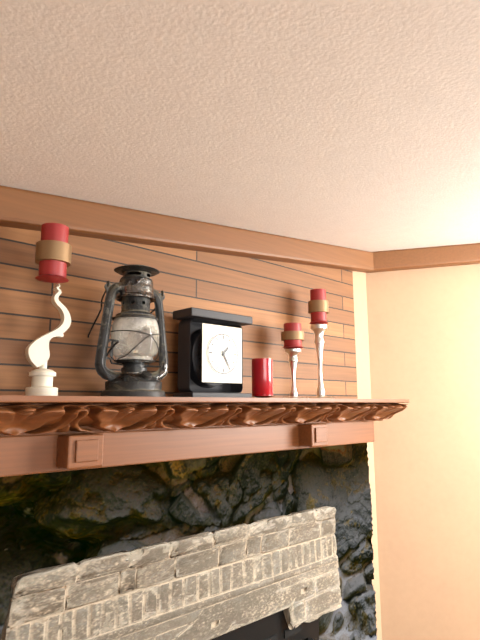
1:25
